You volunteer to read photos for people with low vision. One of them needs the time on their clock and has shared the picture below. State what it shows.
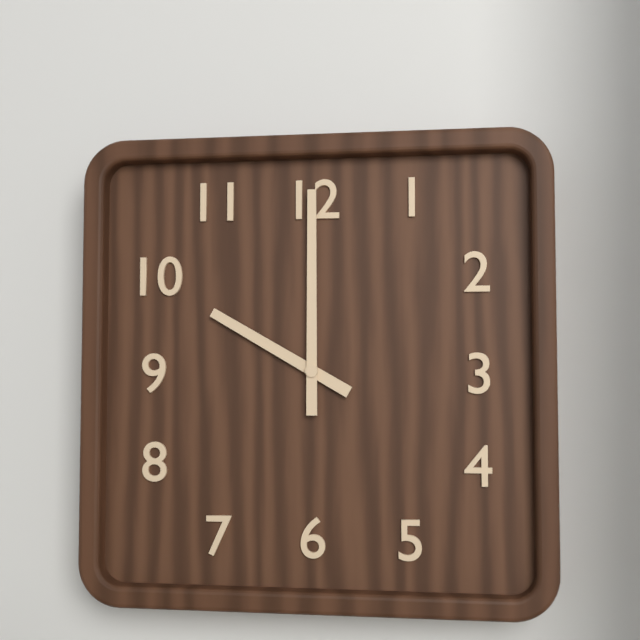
10:00
